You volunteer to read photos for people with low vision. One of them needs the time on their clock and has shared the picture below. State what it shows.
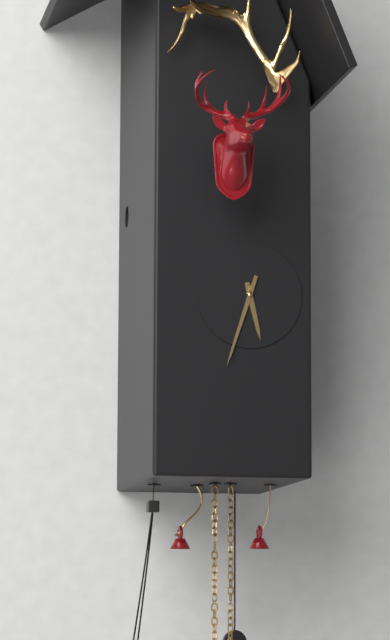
5:33
